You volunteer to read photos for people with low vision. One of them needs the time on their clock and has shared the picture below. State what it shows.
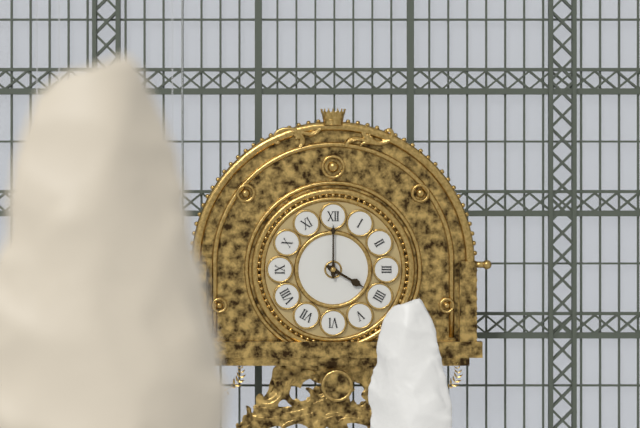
4:00
